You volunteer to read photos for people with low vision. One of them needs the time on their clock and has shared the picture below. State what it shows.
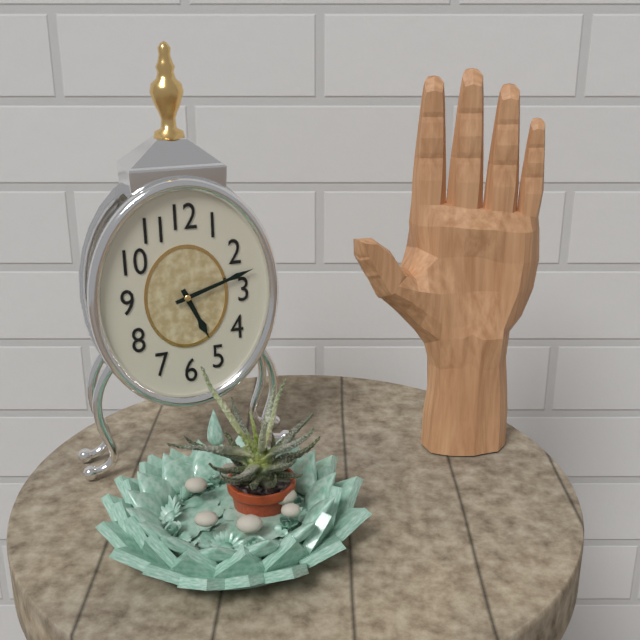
5:12
